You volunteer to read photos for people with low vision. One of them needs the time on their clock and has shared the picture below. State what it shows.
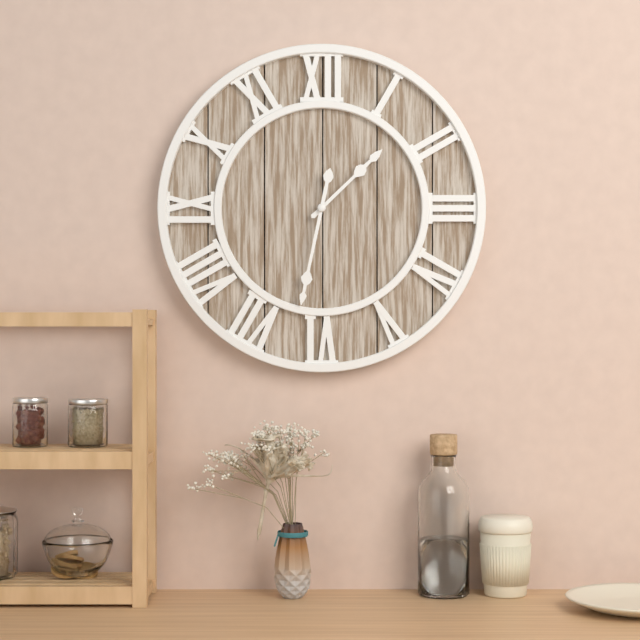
1:32
